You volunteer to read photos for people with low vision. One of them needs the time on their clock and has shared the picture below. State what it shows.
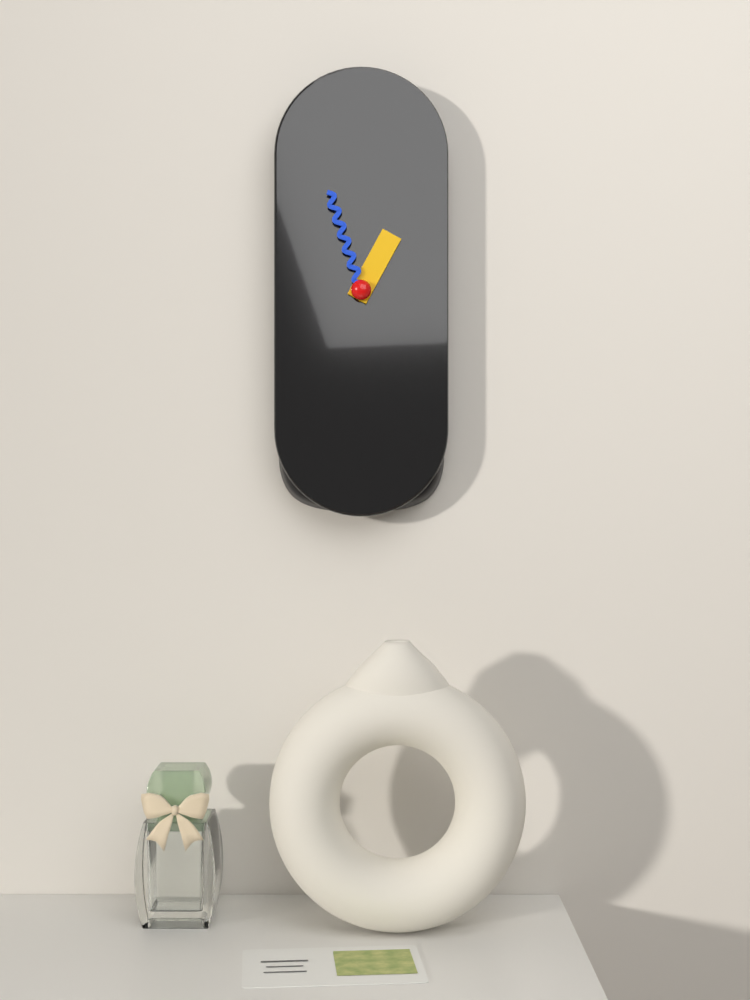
12:57
